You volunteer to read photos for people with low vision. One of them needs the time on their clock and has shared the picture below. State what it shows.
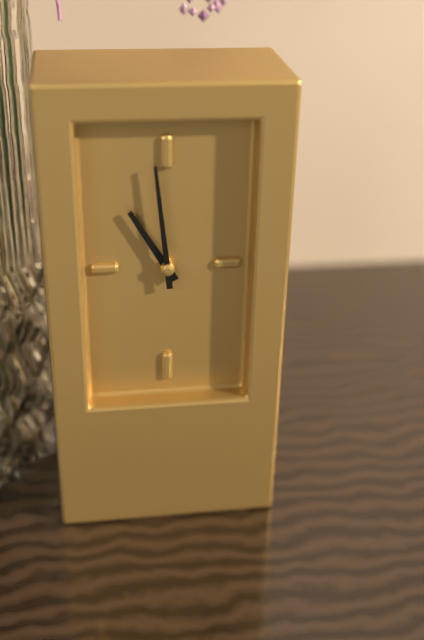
10:59
